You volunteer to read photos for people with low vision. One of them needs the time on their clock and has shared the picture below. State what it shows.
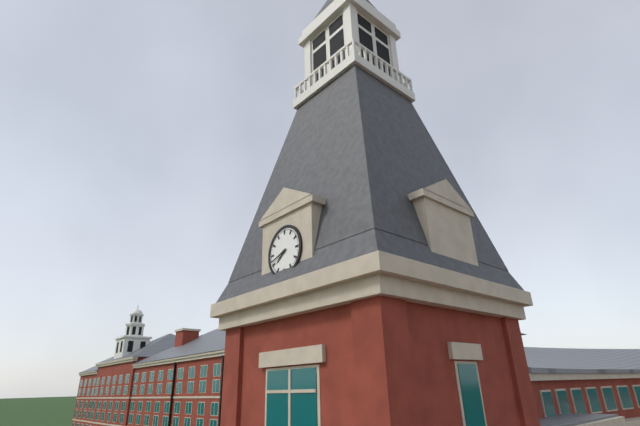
7:42
